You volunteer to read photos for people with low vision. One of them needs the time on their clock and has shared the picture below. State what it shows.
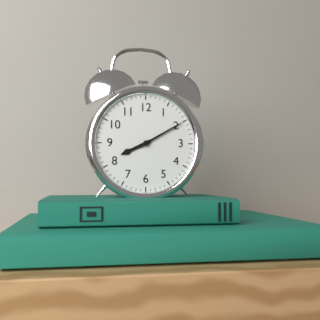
8:10
